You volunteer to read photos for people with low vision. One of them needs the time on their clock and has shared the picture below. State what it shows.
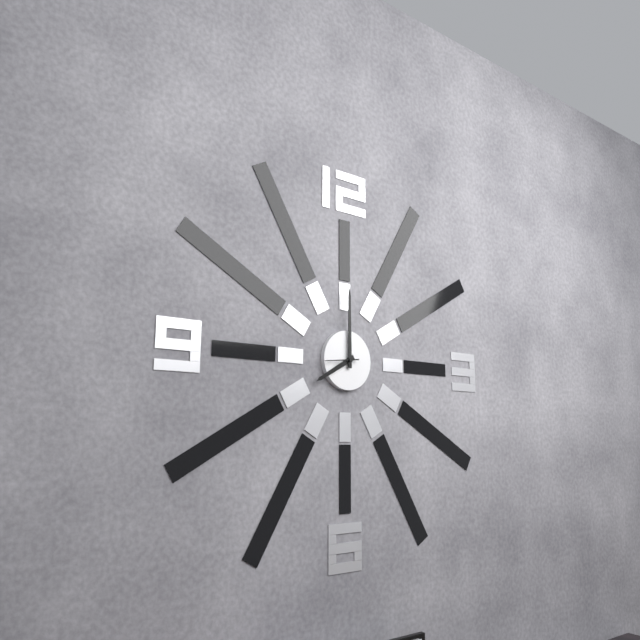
8:00
